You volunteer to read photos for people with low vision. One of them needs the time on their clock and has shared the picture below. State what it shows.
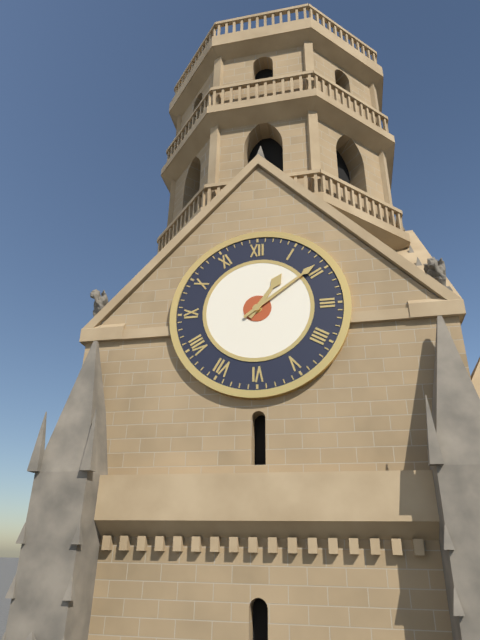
1:09
